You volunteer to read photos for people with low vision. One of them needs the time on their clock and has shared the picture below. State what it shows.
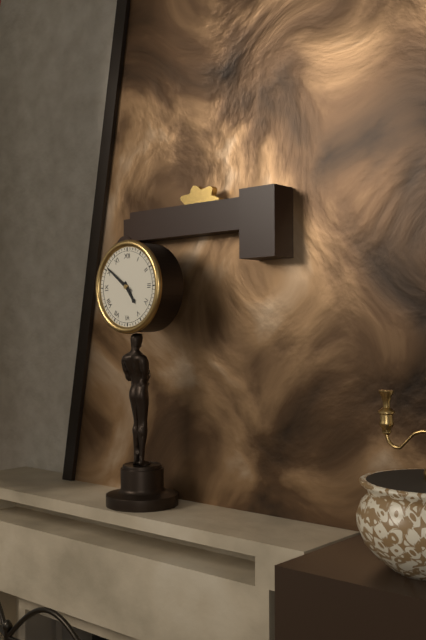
4:51
